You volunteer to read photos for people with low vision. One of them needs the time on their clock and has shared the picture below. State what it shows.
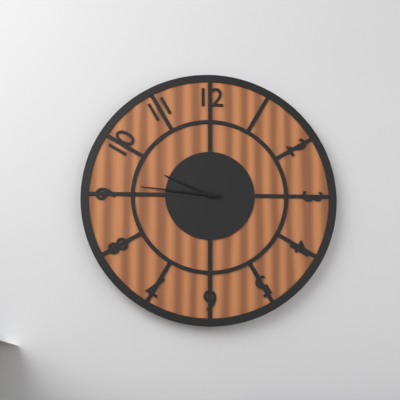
9:46
